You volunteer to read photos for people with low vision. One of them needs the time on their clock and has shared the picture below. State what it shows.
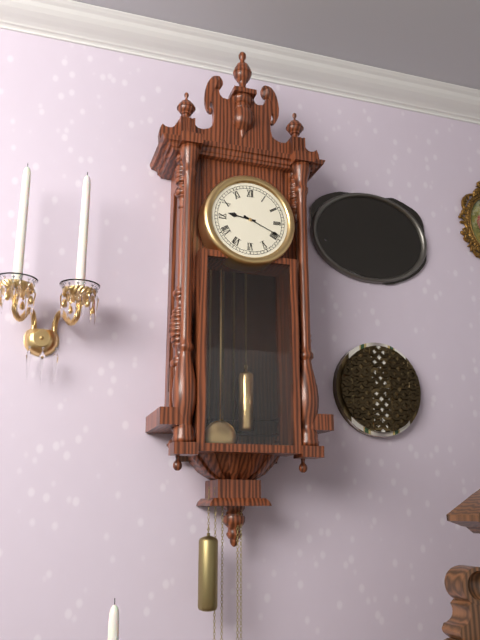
9:19
